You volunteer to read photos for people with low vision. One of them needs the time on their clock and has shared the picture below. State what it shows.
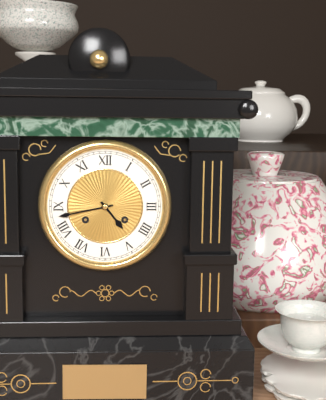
4:43
